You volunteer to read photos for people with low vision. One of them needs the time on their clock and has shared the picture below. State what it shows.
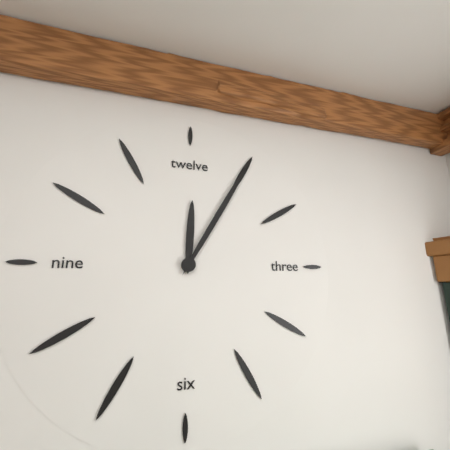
12:05
